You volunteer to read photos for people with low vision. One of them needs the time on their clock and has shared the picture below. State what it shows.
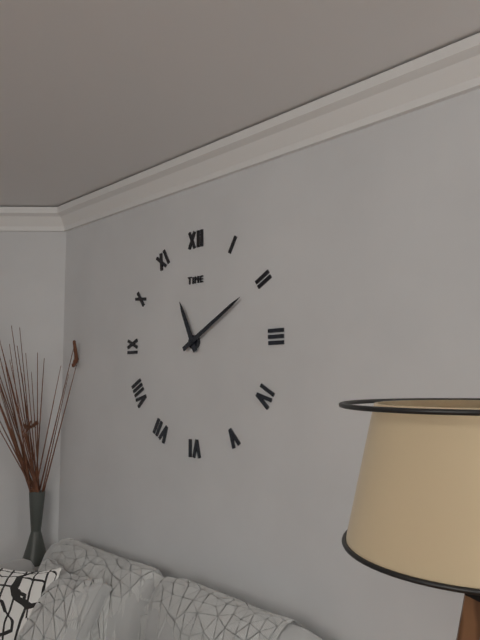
11:10
